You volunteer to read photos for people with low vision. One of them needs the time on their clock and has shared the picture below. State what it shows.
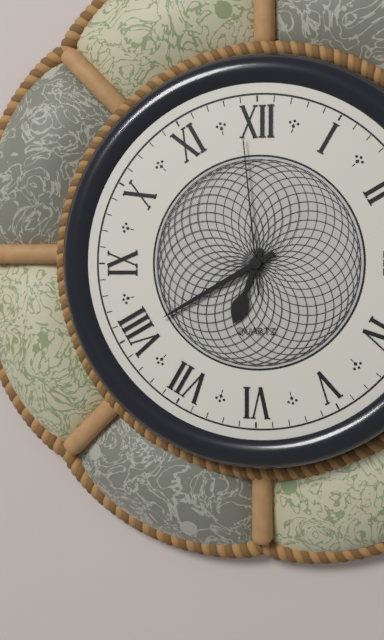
6:40:59
